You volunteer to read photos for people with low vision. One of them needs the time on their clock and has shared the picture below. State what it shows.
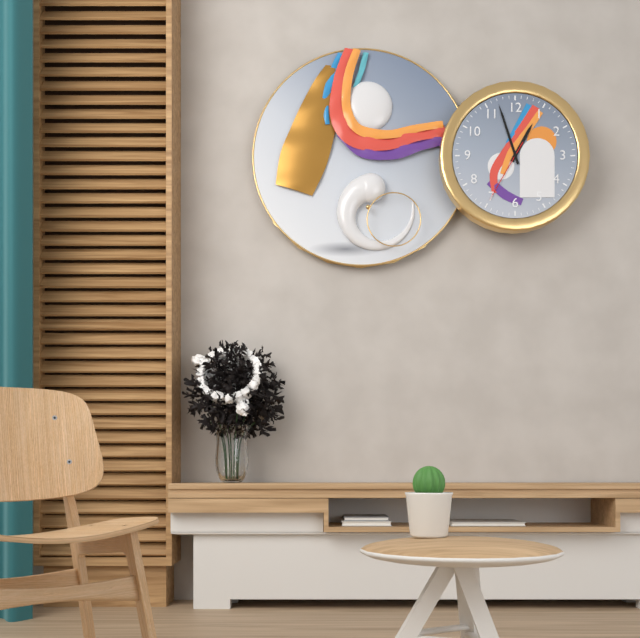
12:57:35
